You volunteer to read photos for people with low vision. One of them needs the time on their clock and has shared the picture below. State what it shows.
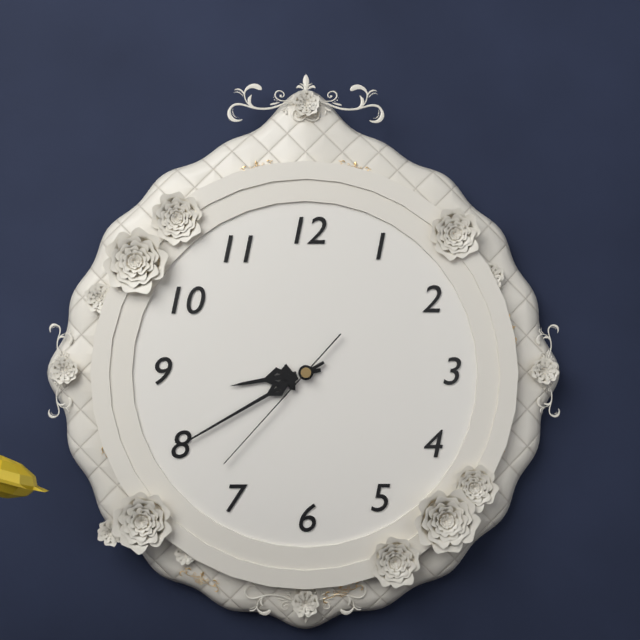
8:40:37
